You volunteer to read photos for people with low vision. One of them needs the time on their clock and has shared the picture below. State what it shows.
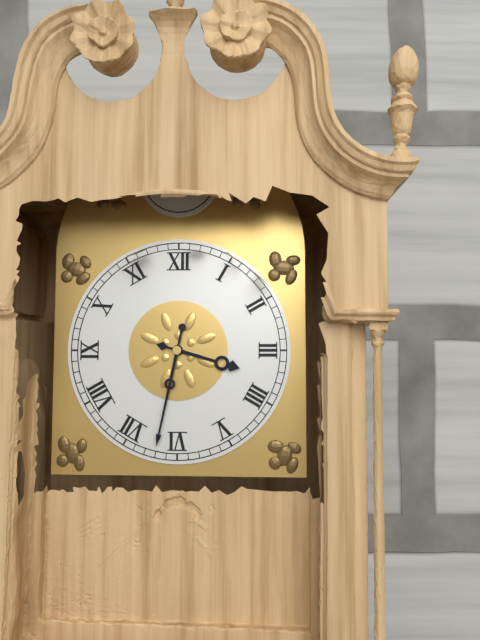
3:32
